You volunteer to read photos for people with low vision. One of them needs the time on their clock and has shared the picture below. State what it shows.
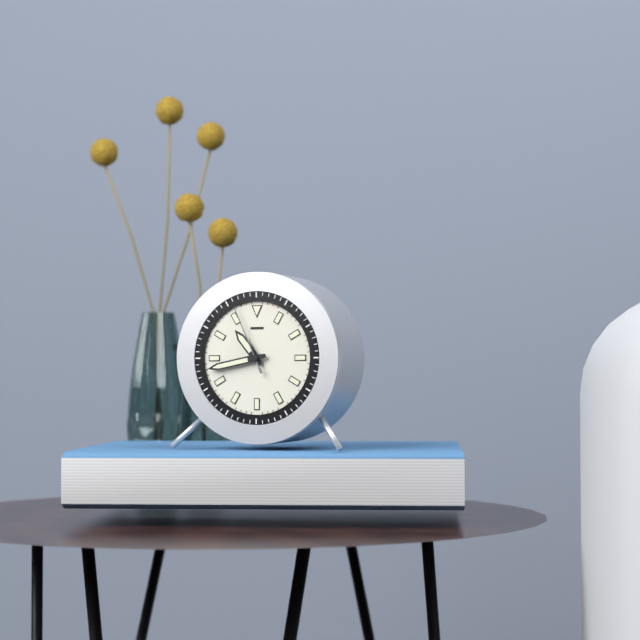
10:43:56
